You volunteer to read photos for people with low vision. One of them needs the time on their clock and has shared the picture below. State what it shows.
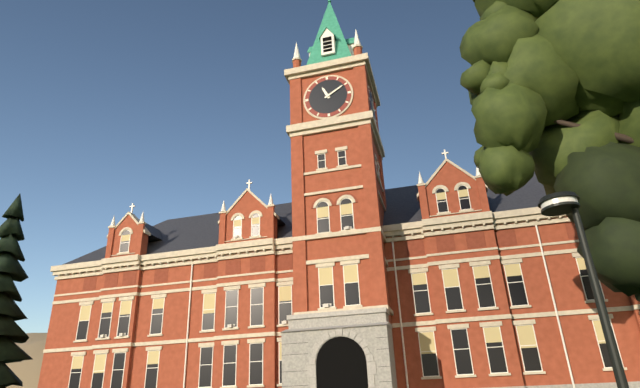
11:10
